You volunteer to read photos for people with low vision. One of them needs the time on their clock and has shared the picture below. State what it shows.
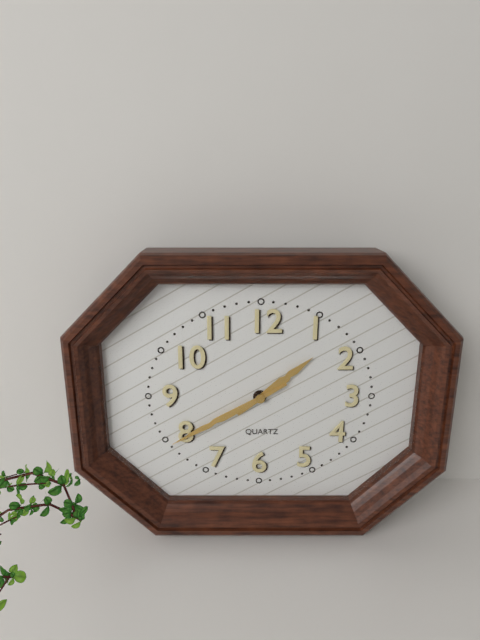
1:40
